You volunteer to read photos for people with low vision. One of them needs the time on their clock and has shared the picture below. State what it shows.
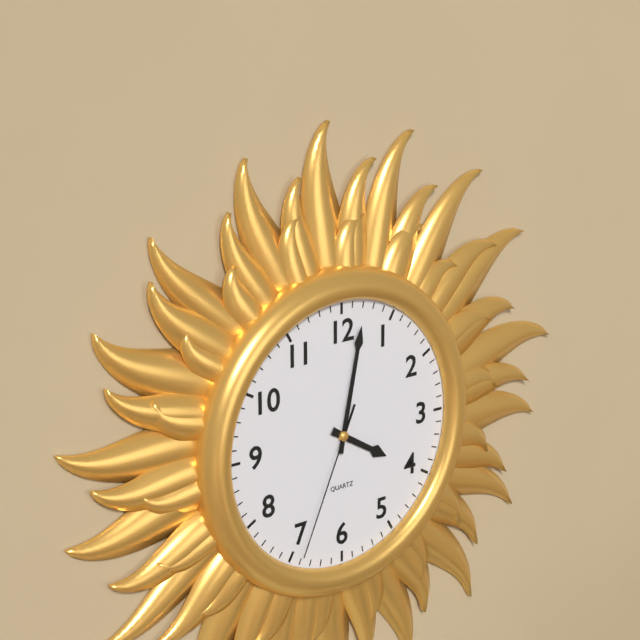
4:02:34
